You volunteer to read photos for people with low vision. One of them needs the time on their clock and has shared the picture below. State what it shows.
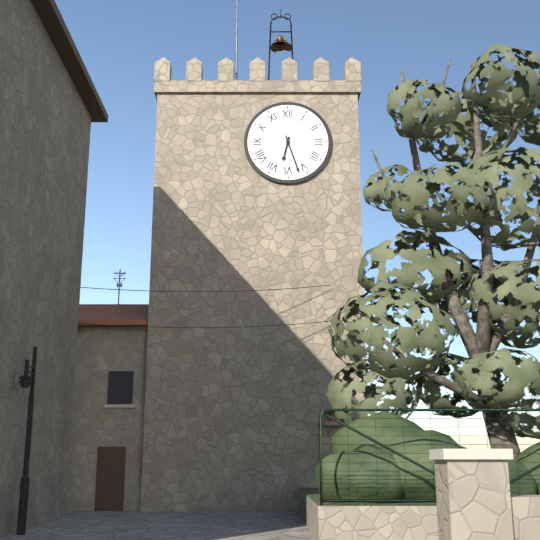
6:27
